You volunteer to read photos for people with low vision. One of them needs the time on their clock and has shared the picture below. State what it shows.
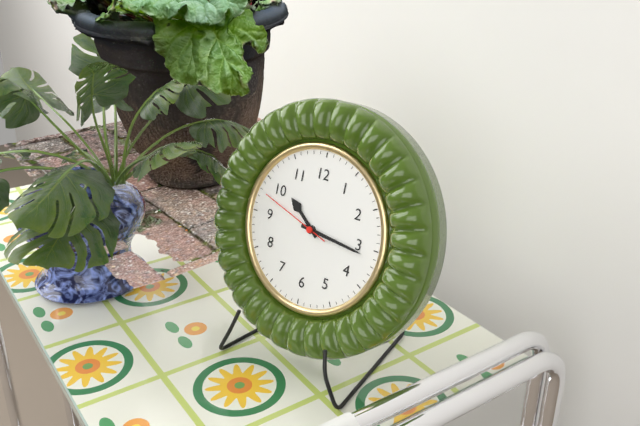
10:16:48
